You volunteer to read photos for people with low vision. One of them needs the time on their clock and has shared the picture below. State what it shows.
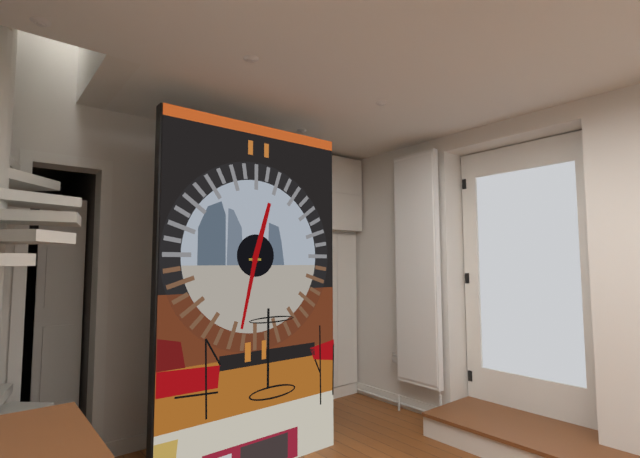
12:32
